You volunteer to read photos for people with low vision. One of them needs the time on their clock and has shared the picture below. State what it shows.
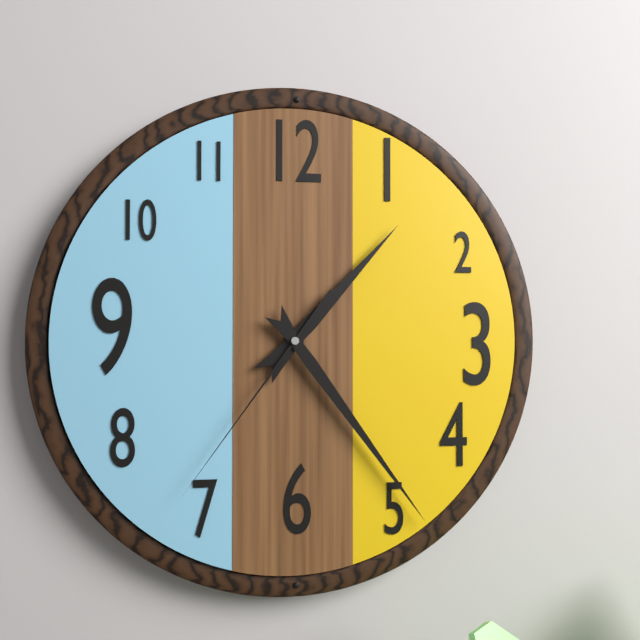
1:24:36
